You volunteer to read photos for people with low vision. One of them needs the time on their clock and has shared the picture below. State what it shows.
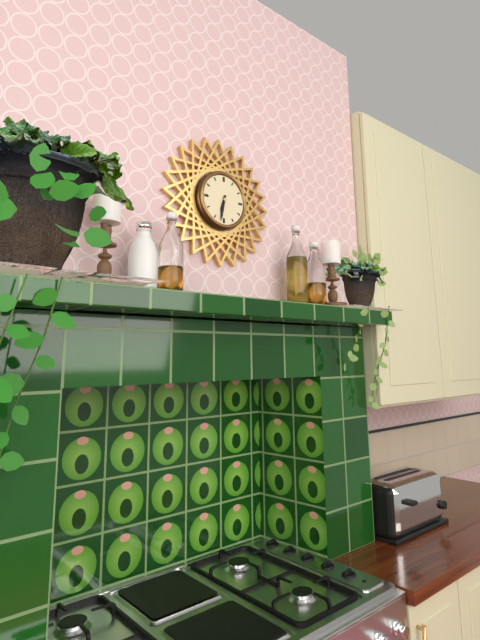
6:32
